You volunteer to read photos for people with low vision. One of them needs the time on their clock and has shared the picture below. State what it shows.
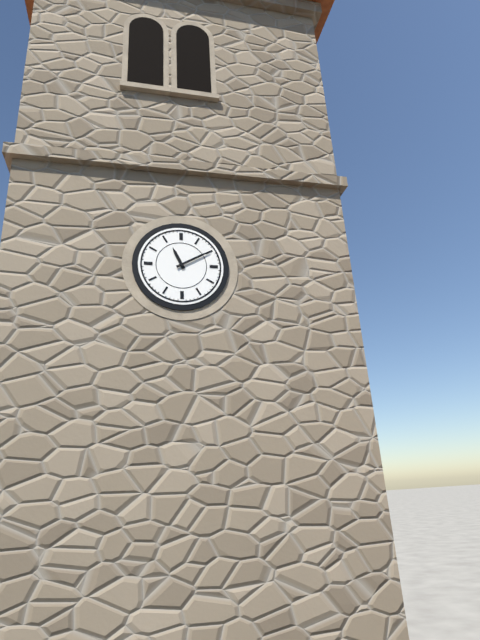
11:10
